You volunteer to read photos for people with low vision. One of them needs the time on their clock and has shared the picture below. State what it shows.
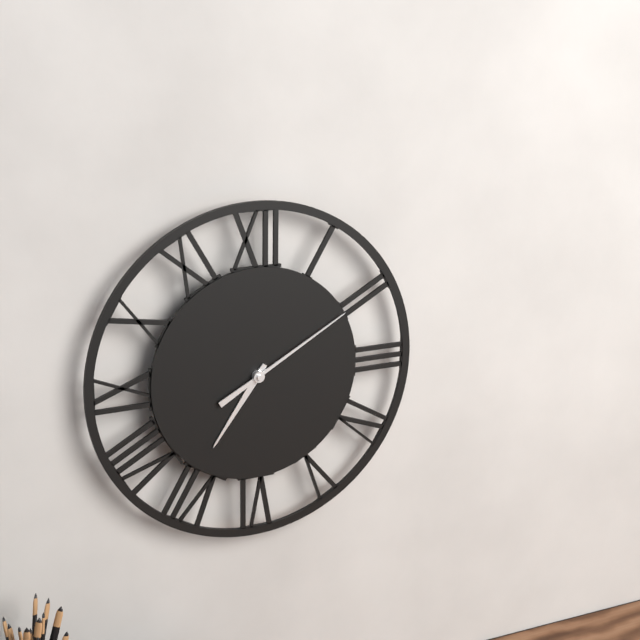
7:10
